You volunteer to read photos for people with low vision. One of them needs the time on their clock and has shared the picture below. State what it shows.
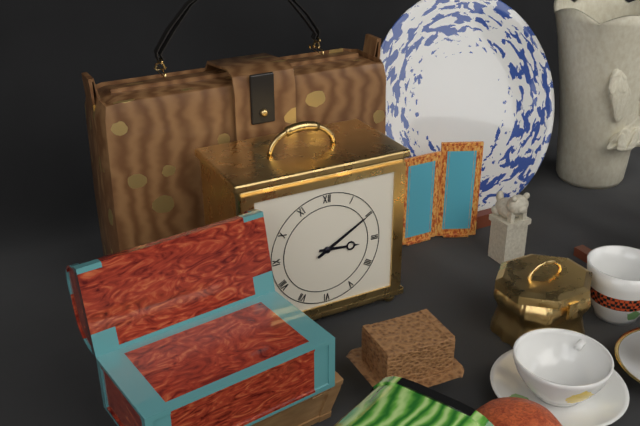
3:10
